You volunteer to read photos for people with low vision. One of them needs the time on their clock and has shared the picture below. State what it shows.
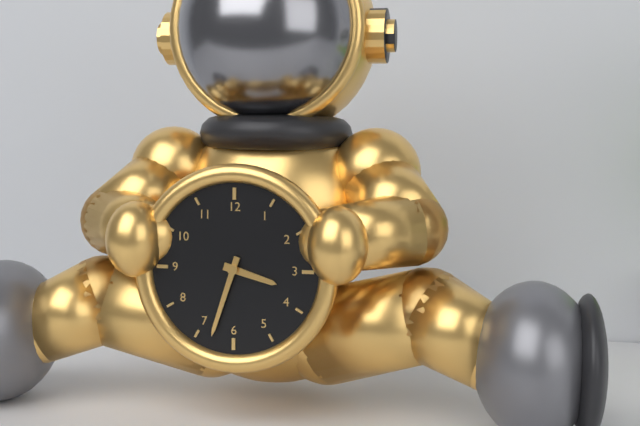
3:33
